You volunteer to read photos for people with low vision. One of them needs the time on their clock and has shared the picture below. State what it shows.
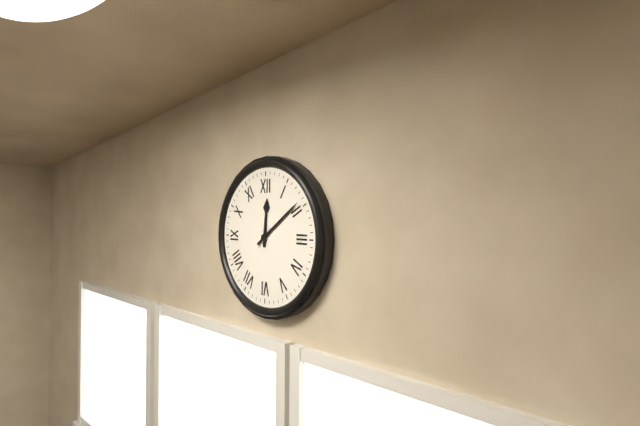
12:09
